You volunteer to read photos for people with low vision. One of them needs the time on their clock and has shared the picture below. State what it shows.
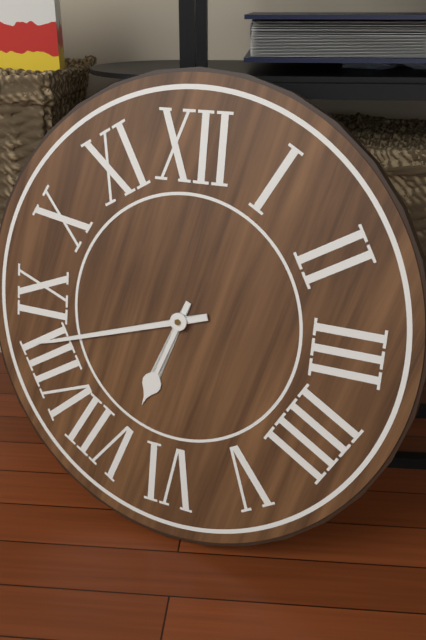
6:42
